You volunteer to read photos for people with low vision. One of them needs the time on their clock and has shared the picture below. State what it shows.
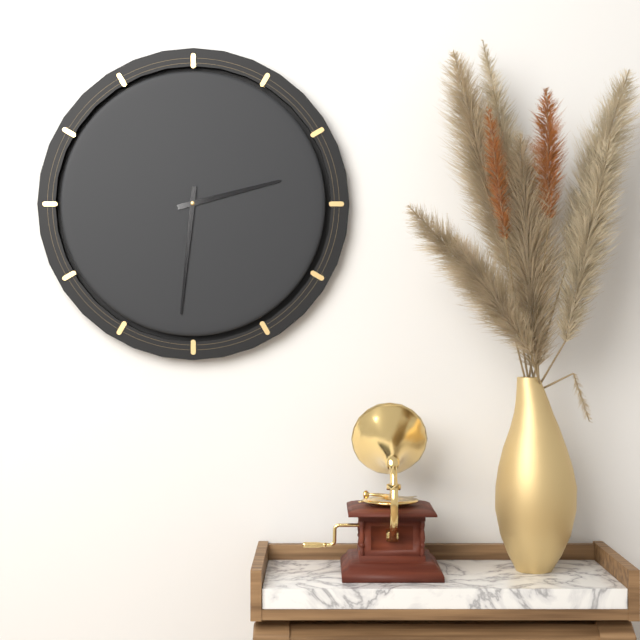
2:31
